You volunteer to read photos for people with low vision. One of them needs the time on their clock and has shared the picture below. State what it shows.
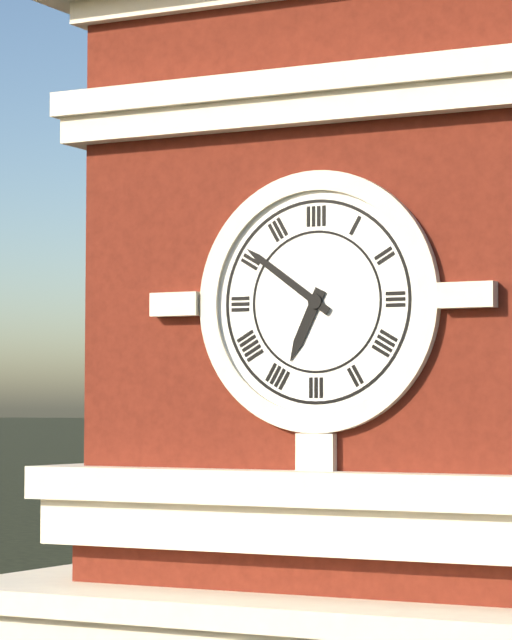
6:51
